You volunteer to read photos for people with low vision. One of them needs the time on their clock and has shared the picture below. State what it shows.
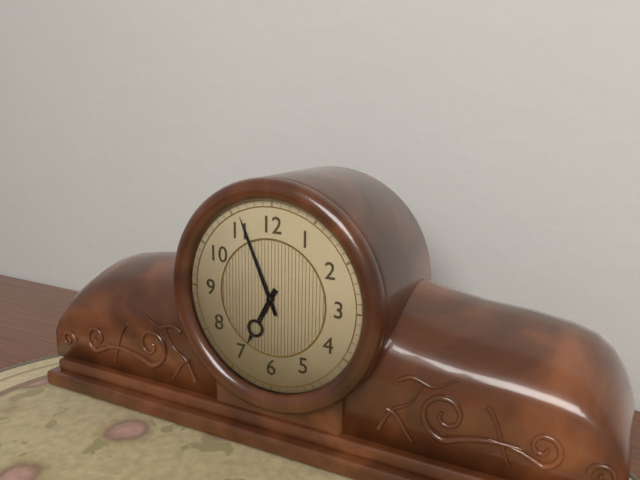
6:56
